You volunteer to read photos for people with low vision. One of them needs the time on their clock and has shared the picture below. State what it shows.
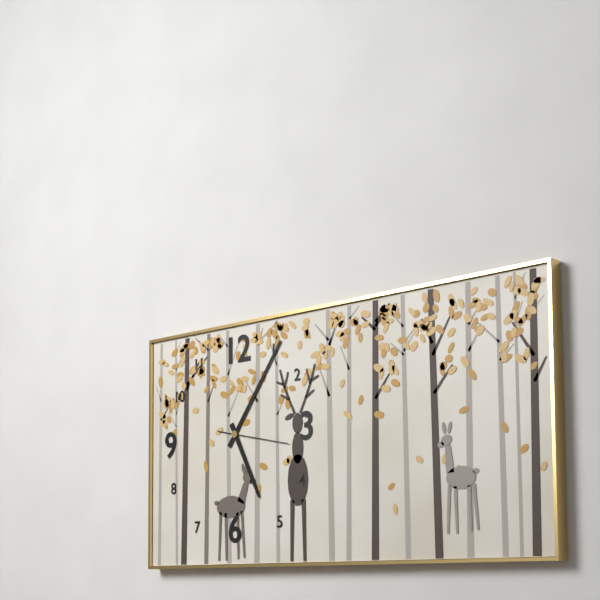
5:06:17
